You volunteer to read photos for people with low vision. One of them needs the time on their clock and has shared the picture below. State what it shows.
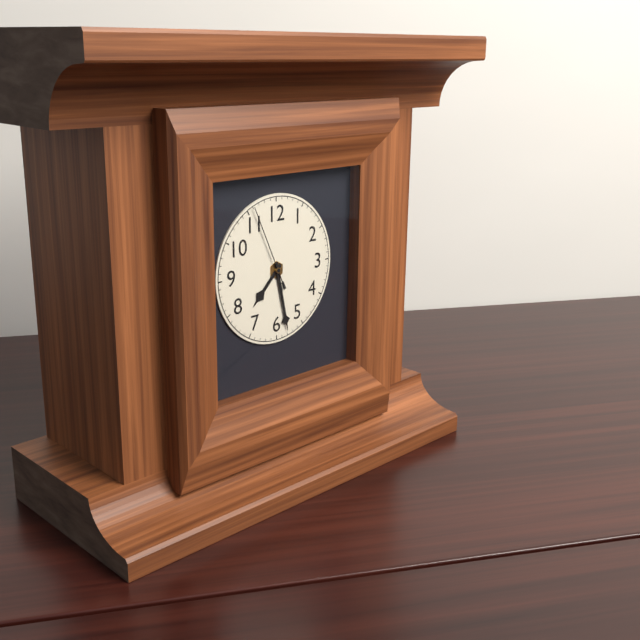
7:28:56
